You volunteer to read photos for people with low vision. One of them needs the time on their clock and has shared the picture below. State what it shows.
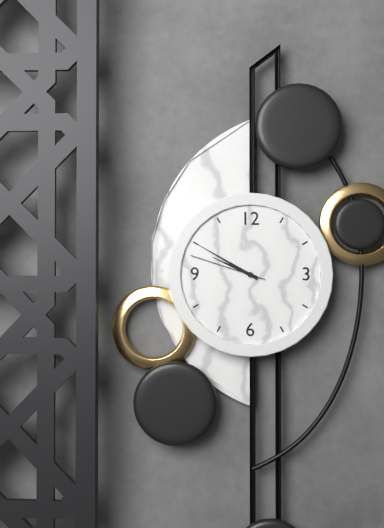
9:50:48
